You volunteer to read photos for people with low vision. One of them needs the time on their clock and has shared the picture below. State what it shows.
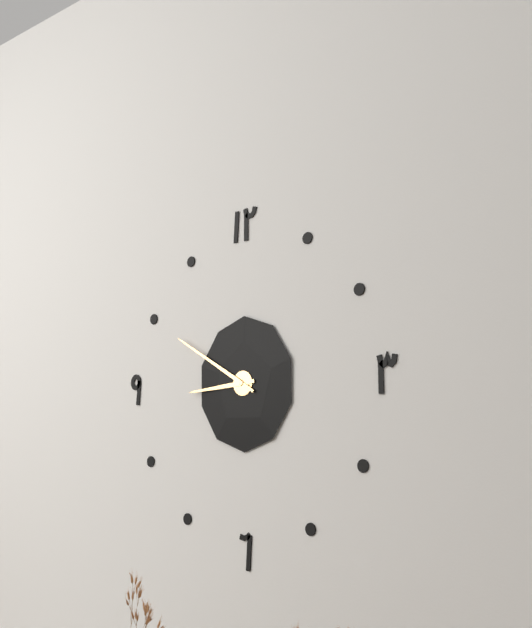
8:50
